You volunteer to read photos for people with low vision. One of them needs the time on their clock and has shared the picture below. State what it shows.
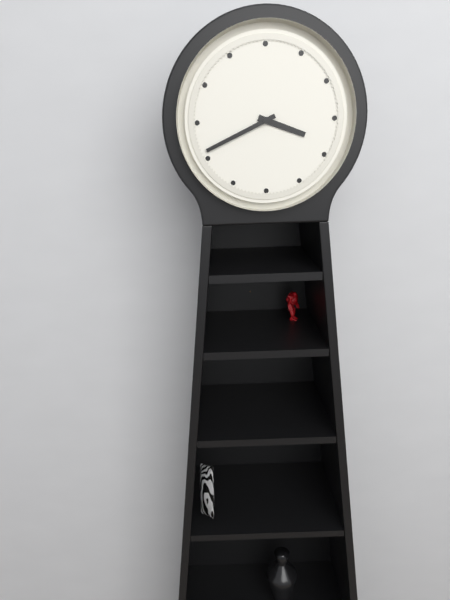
3:41
